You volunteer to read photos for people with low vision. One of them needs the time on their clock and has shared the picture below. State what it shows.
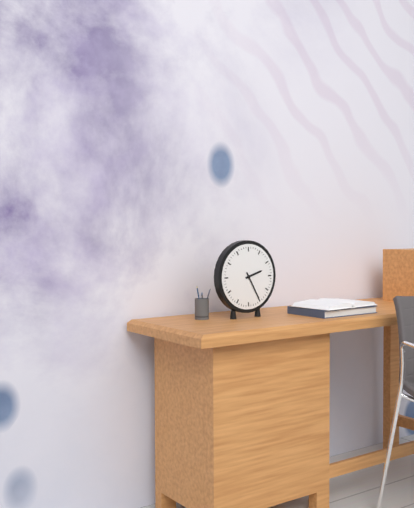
2:25
